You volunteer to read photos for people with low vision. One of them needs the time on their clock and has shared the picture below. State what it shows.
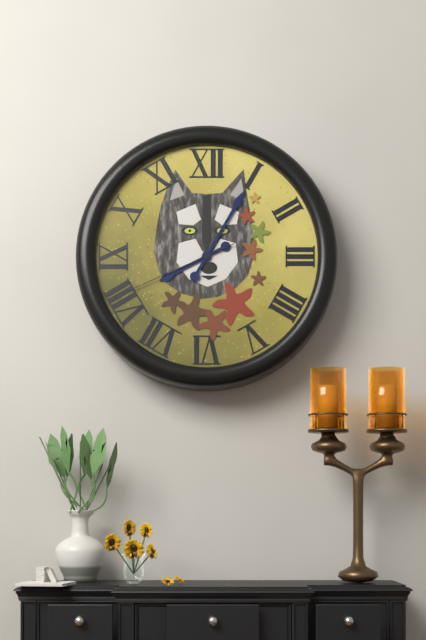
8:05:41
